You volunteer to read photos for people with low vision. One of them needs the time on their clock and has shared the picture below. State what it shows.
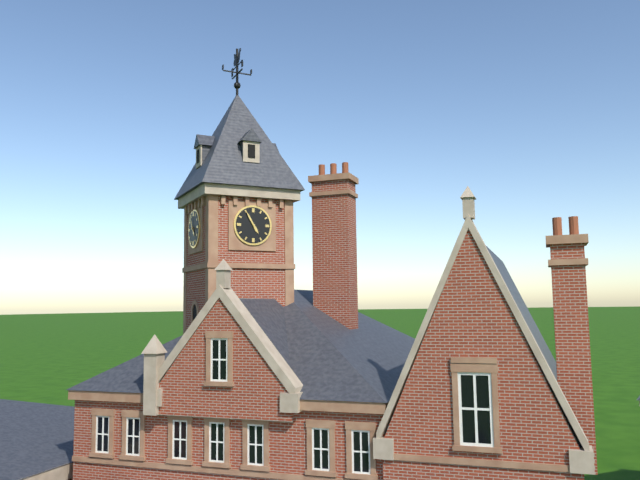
4:55
